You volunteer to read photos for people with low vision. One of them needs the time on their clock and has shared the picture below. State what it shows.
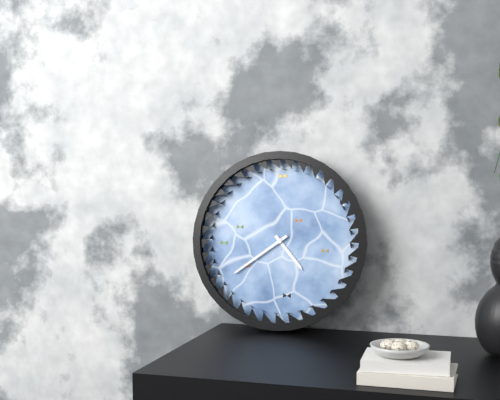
4:39
